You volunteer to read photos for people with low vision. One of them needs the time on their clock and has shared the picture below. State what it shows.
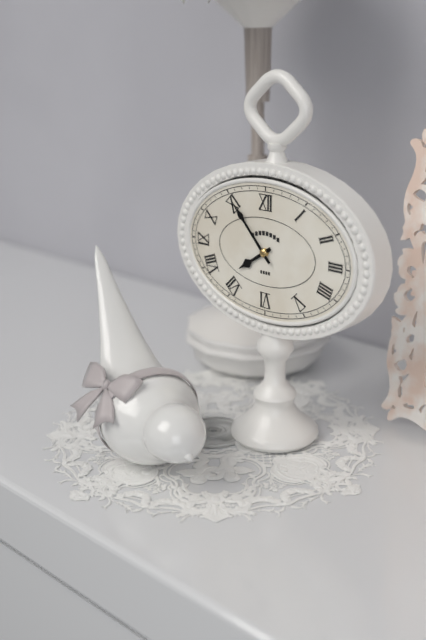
7:53
